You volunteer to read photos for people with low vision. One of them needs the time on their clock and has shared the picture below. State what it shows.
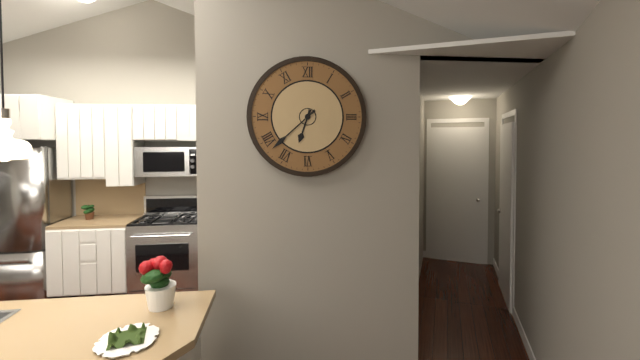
6:38
